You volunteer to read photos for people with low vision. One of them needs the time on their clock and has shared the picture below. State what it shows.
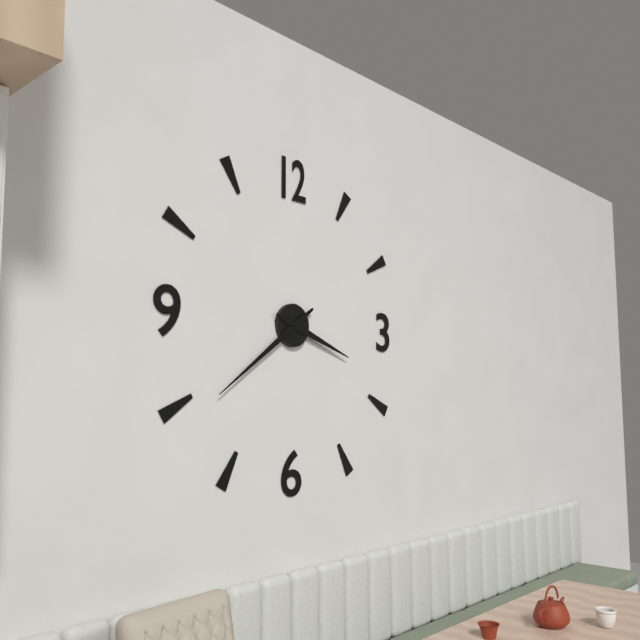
3:39
